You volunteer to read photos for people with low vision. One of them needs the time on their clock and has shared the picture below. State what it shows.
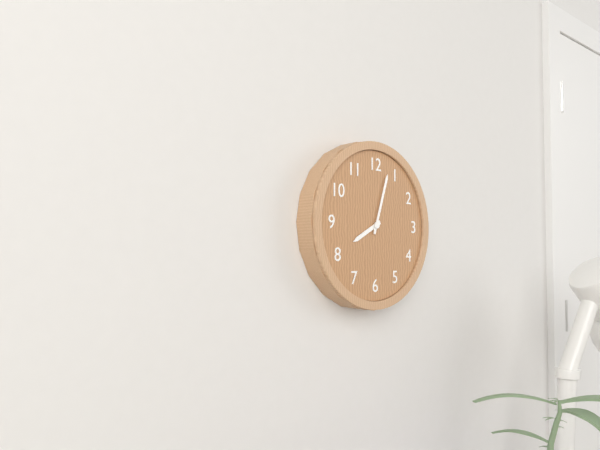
8:03
